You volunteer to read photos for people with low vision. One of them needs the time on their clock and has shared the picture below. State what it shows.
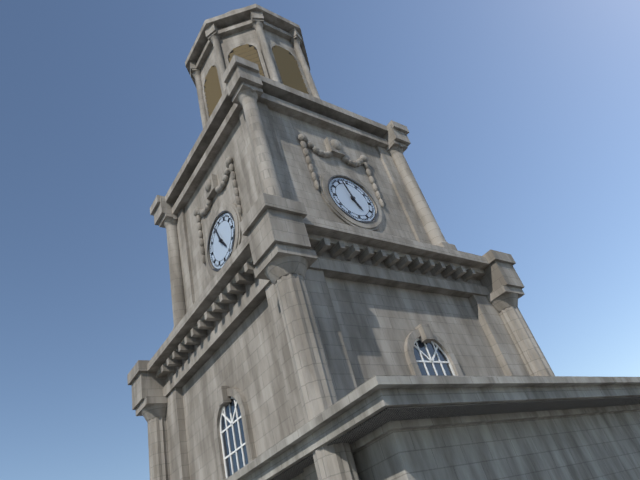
4:57
